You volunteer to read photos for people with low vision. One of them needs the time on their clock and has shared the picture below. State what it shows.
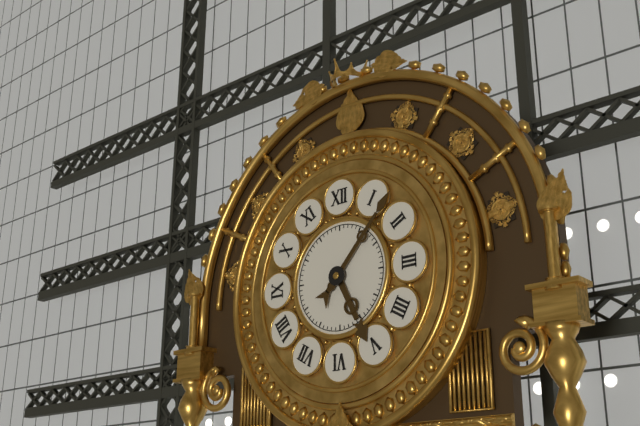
5:07
